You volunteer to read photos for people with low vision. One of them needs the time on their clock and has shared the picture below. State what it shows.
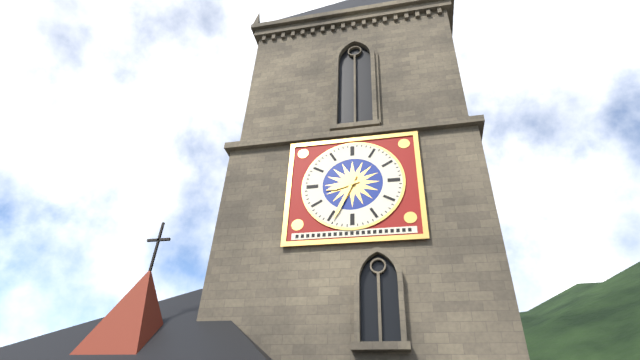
8:34
